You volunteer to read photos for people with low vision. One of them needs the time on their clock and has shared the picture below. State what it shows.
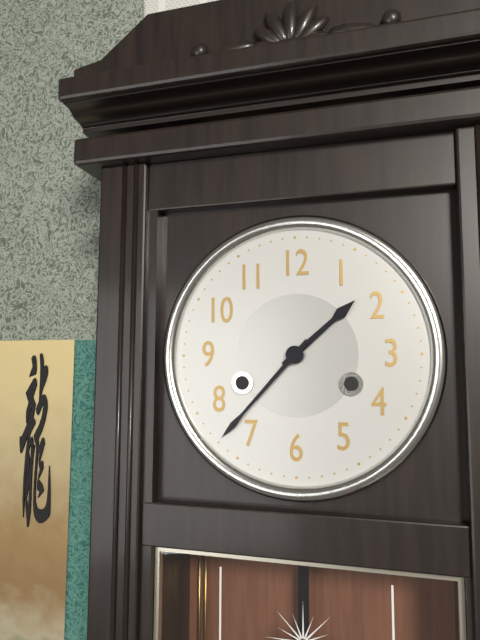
1:37
